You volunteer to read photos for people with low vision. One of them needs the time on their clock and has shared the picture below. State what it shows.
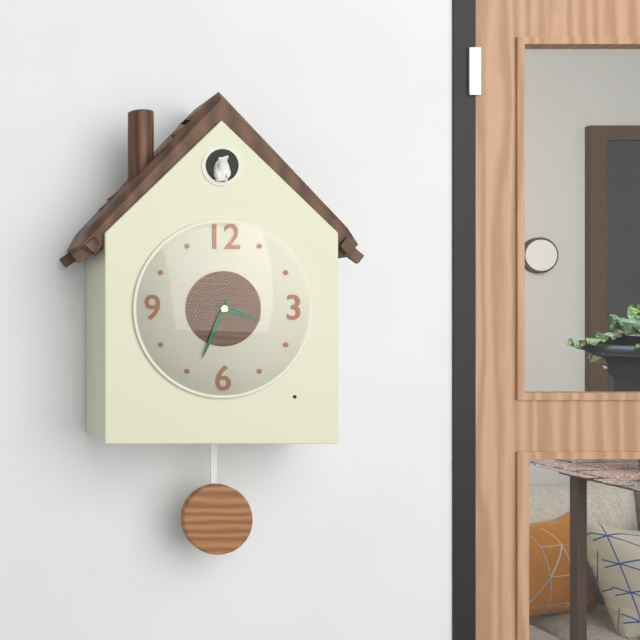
3:34
